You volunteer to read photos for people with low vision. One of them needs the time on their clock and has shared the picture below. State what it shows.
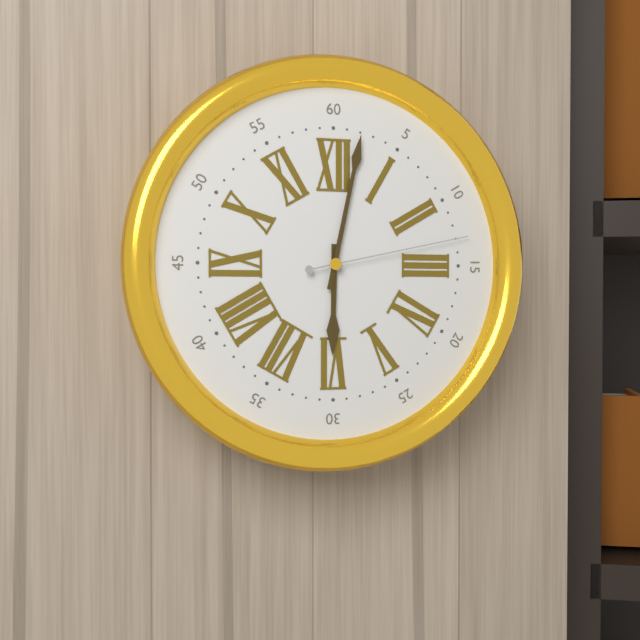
6:02:13
